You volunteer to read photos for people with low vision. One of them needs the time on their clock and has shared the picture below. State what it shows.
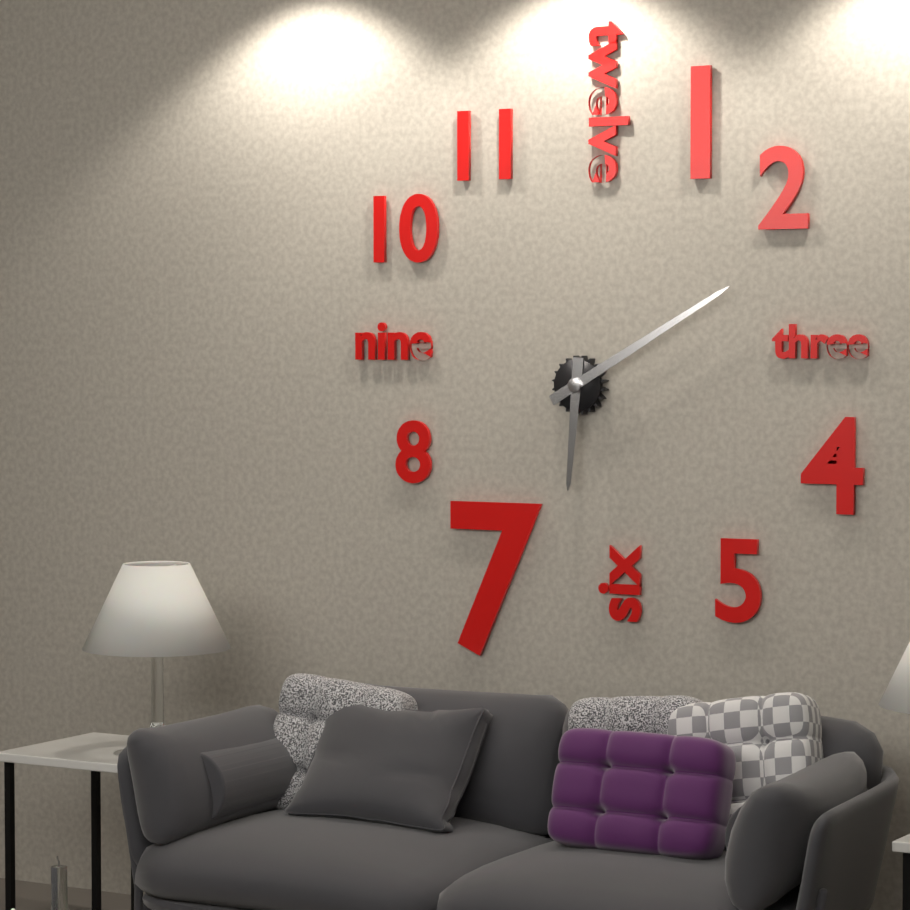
6:10
